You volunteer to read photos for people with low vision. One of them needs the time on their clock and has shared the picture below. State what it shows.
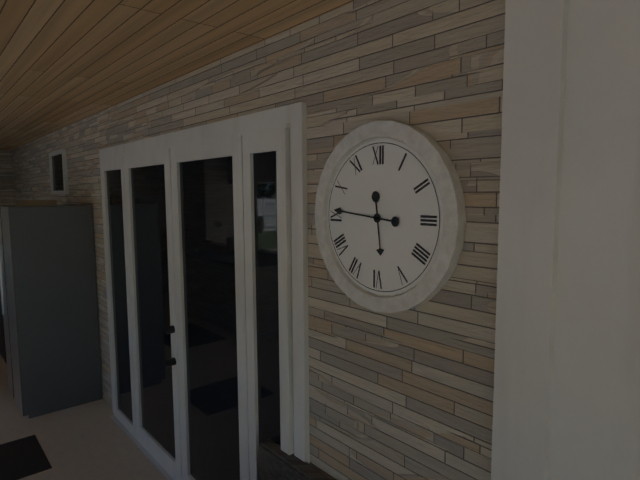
5:46
